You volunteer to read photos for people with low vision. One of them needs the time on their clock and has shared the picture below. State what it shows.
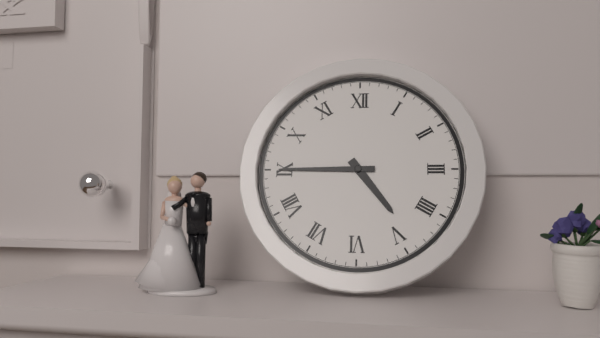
4:45
